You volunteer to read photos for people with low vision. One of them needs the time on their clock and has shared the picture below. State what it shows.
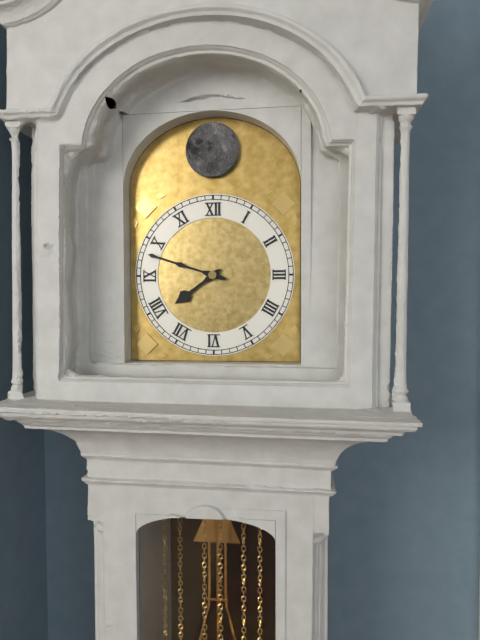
7:48
